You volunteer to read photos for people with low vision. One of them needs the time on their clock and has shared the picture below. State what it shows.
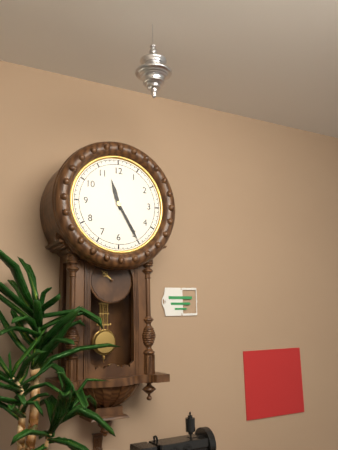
11:25
